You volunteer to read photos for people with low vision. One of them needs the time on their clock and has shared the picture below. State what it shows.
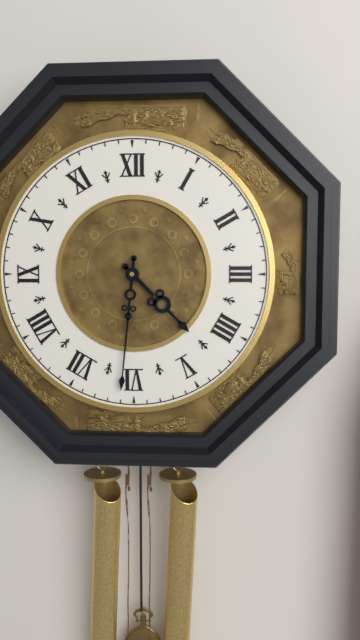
4:31
